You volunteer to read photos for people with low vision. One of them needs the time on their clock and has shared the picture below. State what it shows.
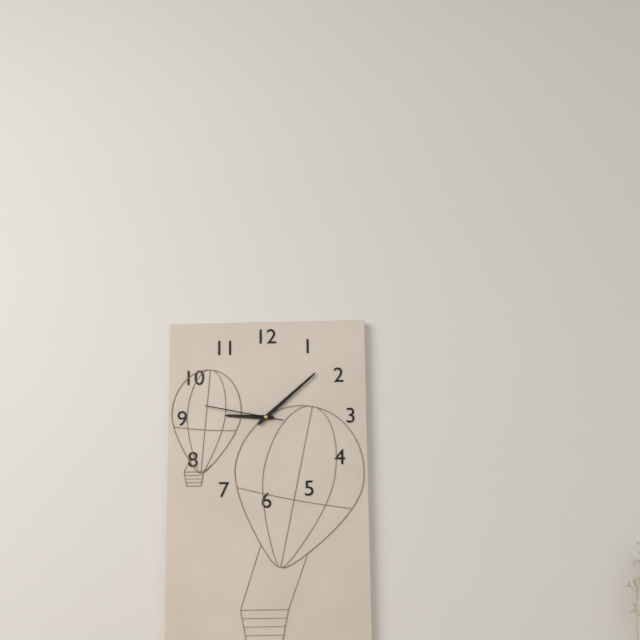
9:08:47
